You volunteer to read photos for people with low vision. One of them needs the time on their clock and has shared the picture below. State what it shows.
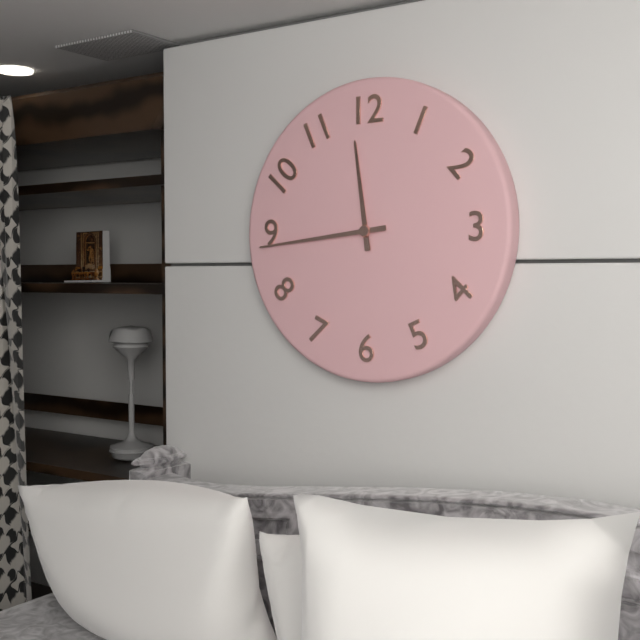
11:44
